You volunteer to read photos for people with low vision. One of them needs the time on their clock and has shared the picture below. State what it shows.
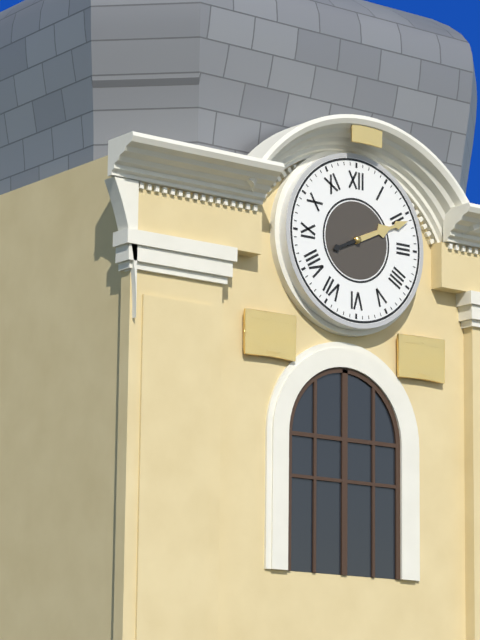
2:11
